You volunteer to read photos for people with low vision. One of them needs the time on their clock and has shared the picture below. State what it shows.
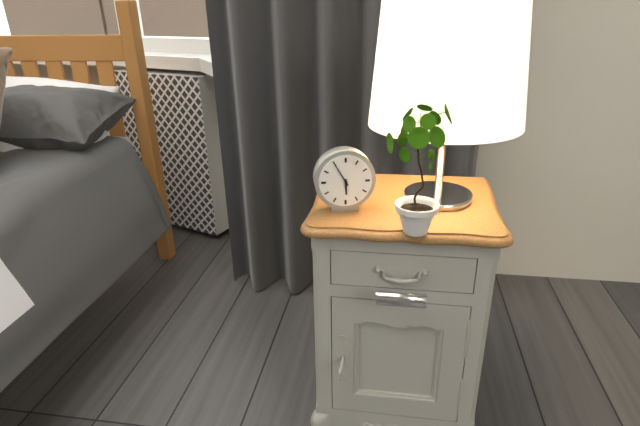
5:55
